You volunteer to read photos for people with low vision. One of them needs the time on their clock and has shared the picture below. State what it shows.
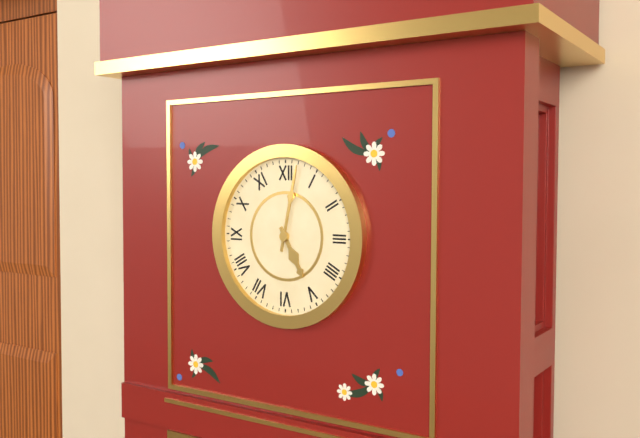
5:02
